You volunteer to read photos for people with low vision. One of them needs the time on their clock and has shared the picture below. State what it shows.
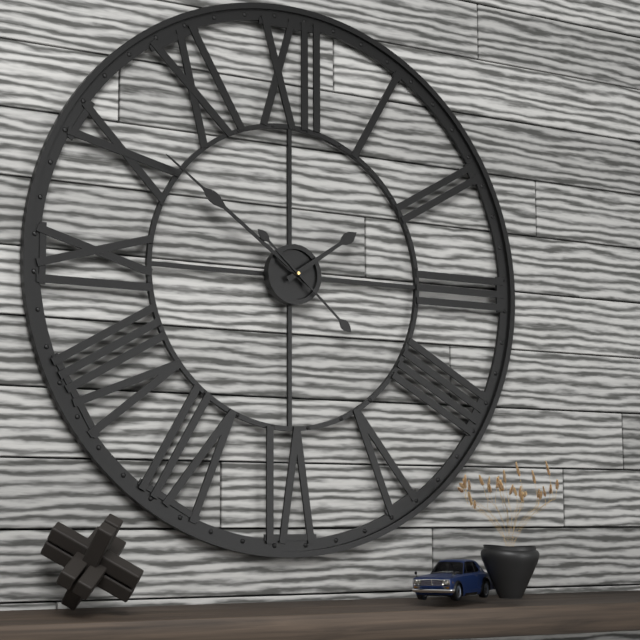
1:51:22
